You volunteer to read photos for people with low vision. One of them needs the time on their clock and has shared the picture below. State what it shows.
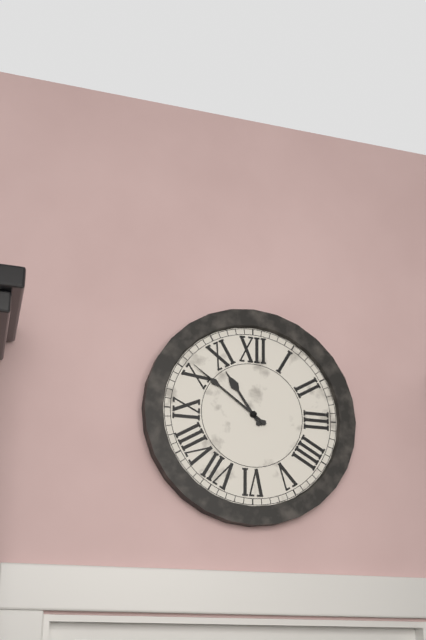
10:51
